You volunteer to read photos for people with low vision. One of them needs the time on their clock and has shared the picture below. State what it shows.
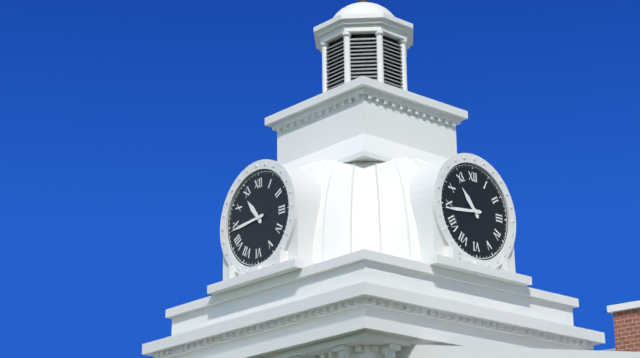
10:44
